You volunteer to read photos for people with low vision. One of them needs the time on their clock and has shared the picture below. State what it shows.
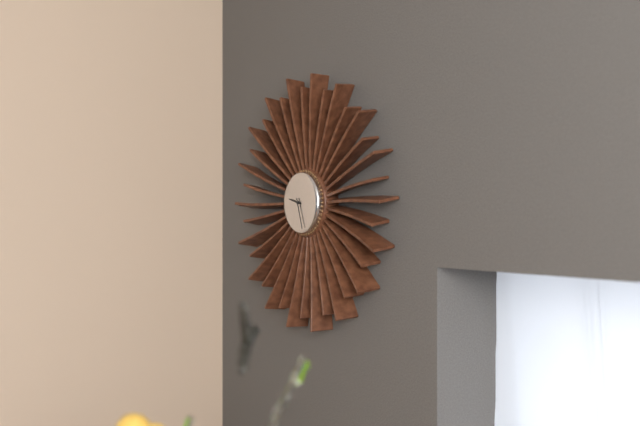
9:27
